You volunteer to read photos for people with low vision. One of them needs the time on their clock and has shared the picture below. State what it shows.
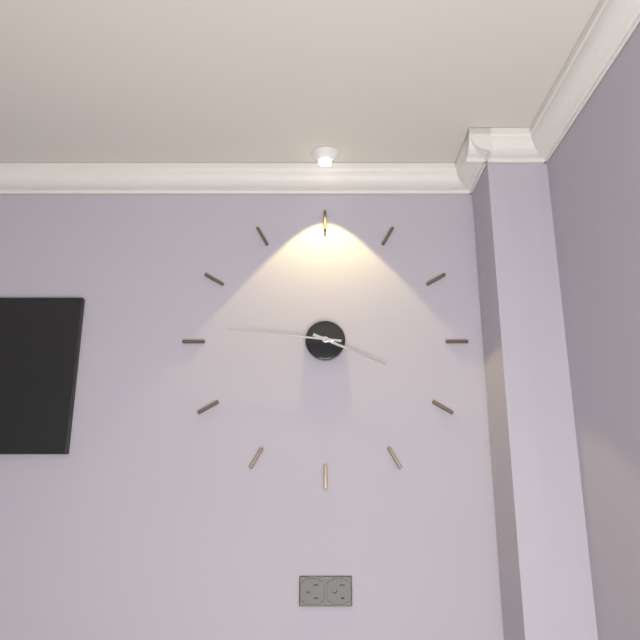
3:46
